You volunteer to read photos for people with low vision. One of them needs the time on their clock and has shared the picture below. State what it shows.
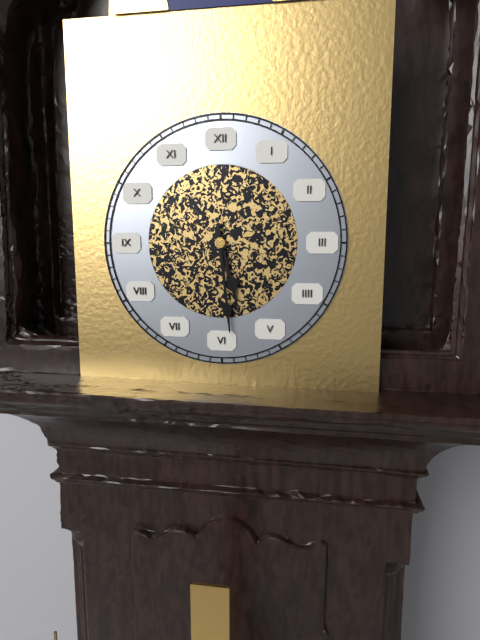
5:29
